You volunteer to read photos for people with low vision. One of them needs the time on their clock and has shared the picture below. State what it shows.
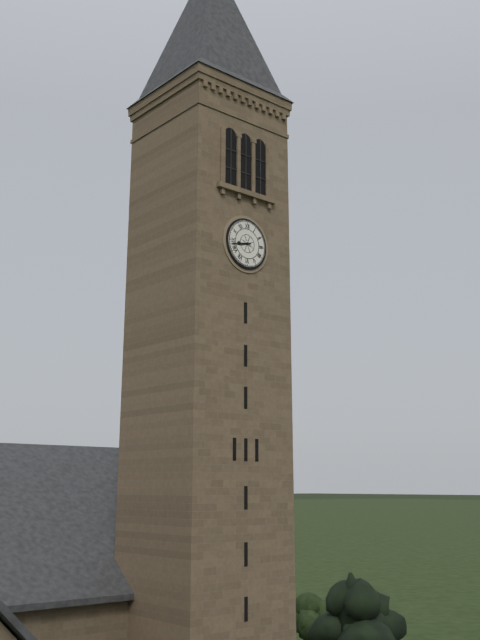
8:43
